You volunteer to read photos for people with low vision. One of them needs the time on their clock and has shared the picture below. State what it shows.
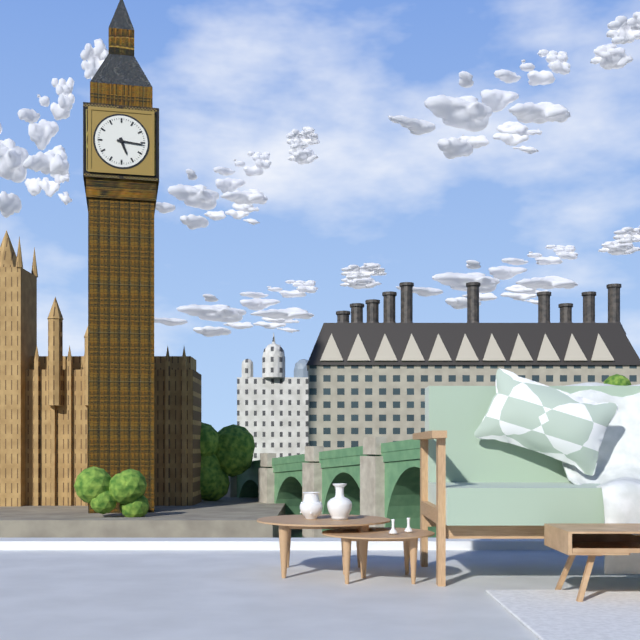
5:16
